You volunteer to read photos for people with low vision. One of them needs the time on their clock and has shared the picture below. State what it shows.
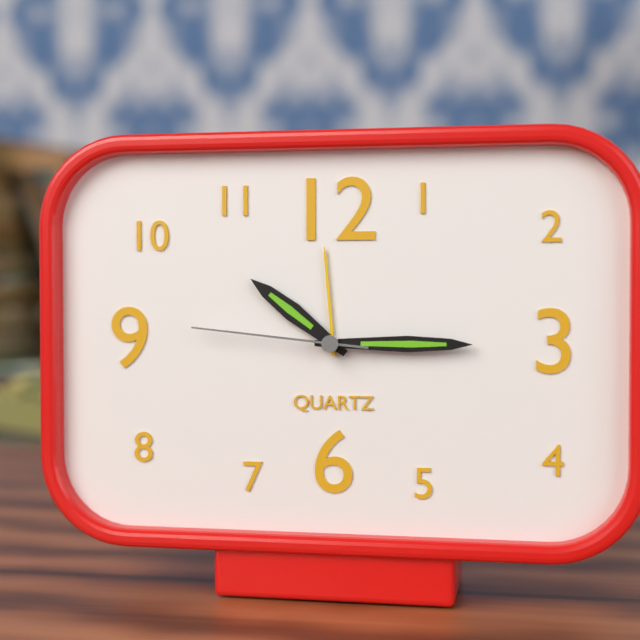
10:15:46
